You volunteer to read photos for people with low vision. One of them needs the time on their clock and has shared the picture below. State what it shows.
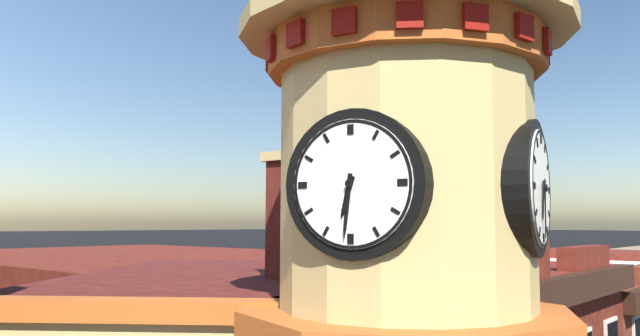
6:31
